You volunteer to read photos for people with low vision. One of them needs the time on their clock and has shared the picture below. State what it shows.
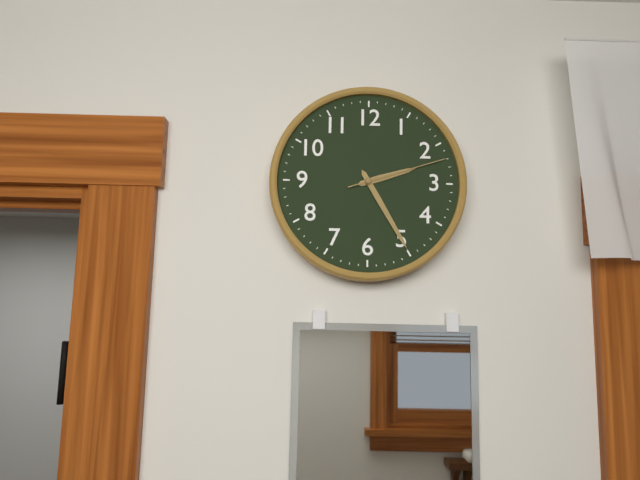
2:25:12
